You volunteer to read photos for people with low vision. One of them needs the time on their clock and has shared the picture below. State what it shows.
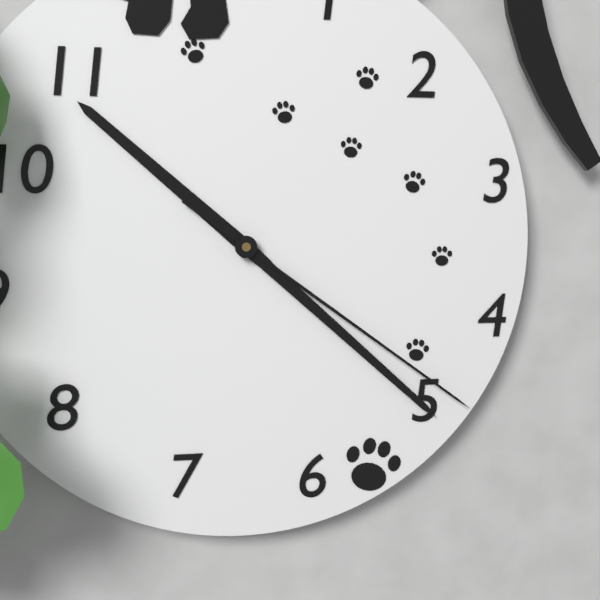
10:22:21
